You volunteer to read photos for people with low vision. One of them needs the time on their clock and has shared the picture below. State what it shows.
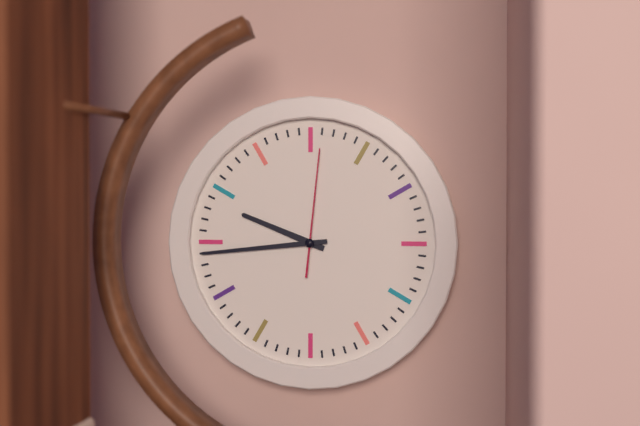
9:44:01
